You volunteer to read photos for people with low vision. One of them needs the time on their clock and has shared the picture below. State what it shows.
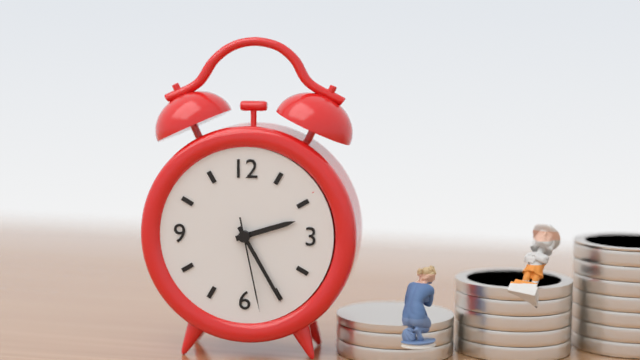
2:25:28
